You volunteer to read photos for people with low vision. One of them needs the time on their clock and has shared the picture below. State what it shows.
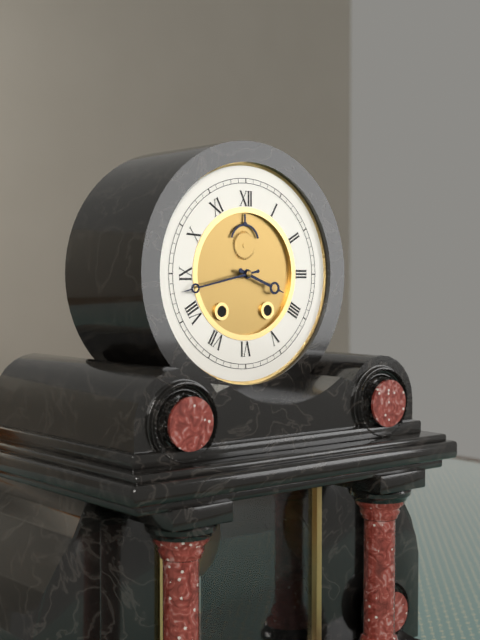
3:43
